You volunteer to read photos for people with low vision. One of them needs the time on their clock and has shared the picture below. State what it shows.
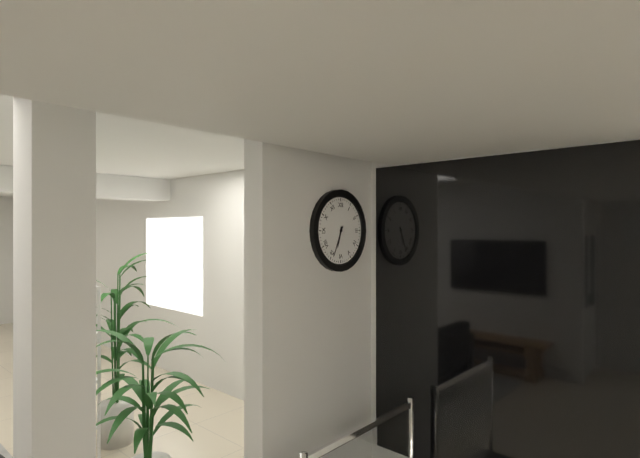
6:34
